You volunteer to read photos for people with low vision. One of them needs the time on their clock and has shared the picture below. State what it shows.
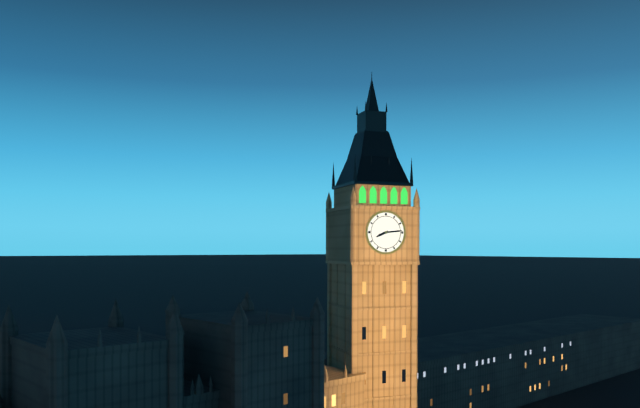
8:14
